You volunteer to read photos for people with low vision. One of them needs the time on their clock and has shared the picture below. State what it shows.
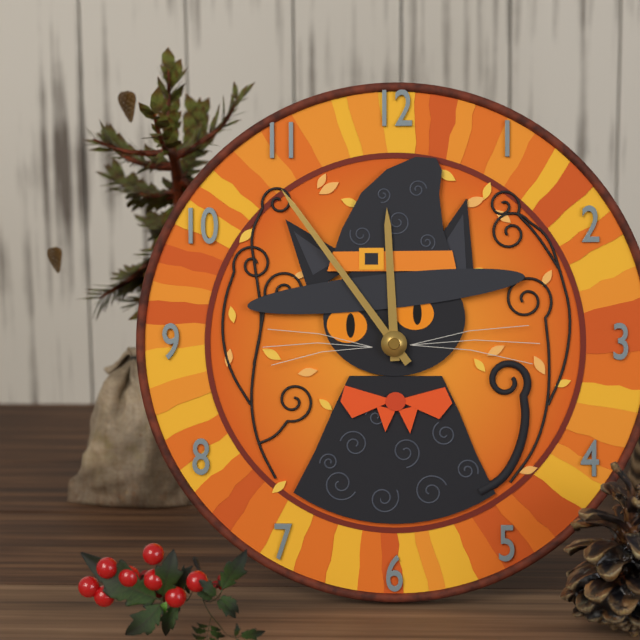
11:54
